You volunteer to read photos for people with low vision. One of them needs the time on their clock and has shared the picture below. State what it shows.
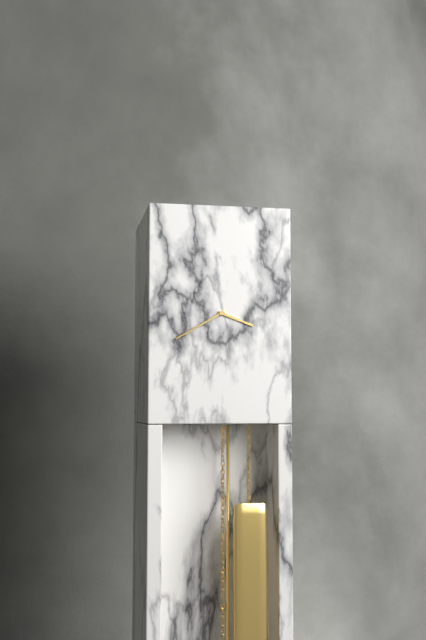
3:40
